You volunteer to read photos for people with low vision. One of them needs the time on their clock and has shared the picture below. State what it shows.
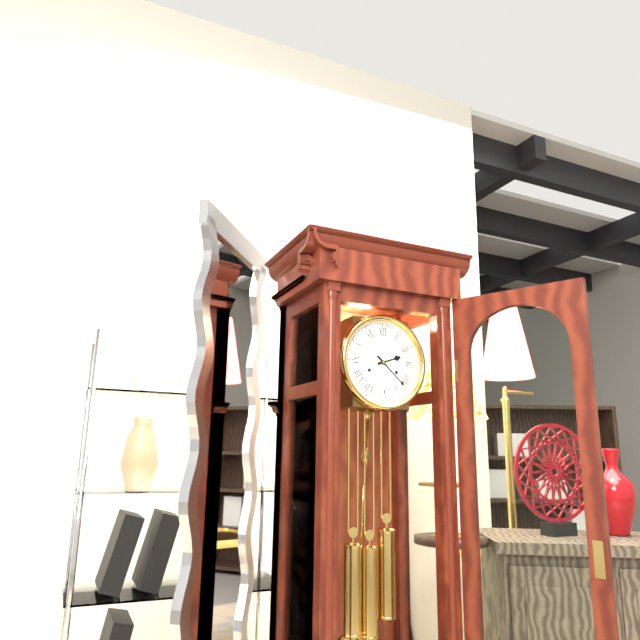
2:22
